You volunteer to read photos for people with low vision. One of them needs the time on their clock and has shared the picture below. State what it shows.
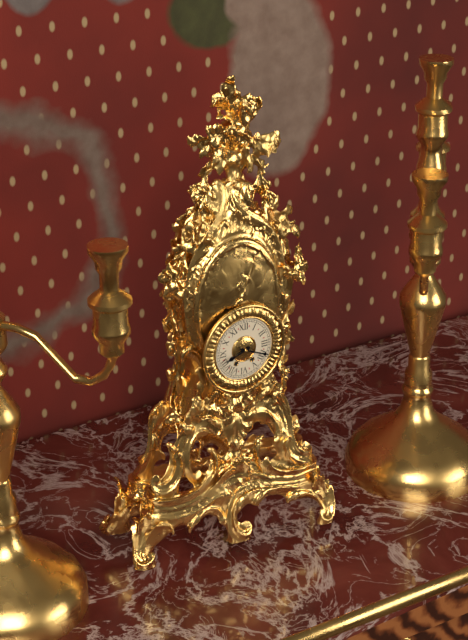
8:19
